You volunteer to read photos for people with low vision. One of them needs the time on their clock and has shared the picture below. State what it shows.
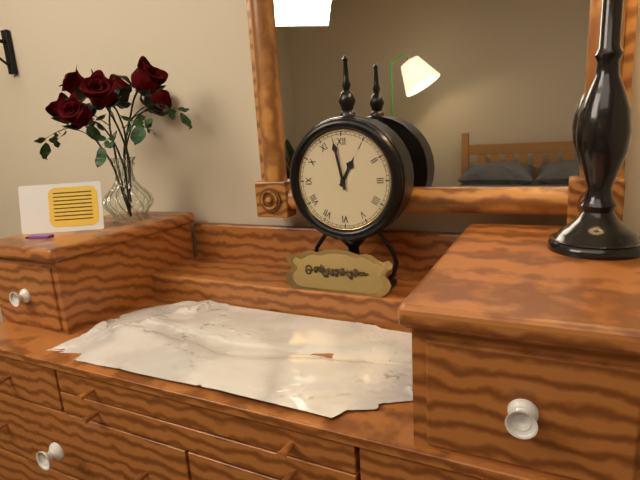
12:58
